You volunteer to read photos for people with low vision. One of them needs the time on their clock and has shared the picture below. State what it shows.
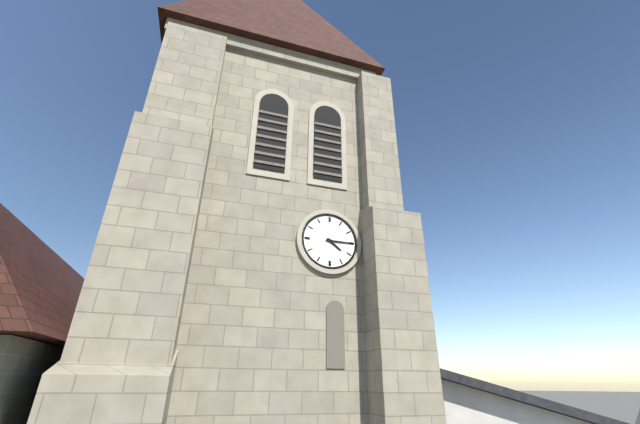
4:15
